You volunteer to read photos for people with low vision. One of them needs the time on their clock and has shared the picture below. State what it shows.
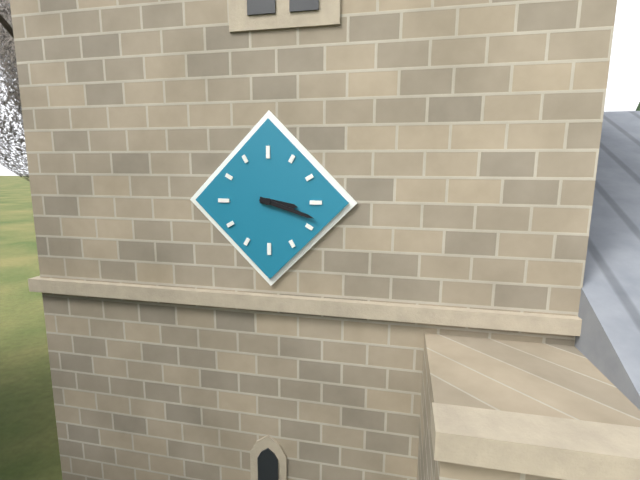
3:18
